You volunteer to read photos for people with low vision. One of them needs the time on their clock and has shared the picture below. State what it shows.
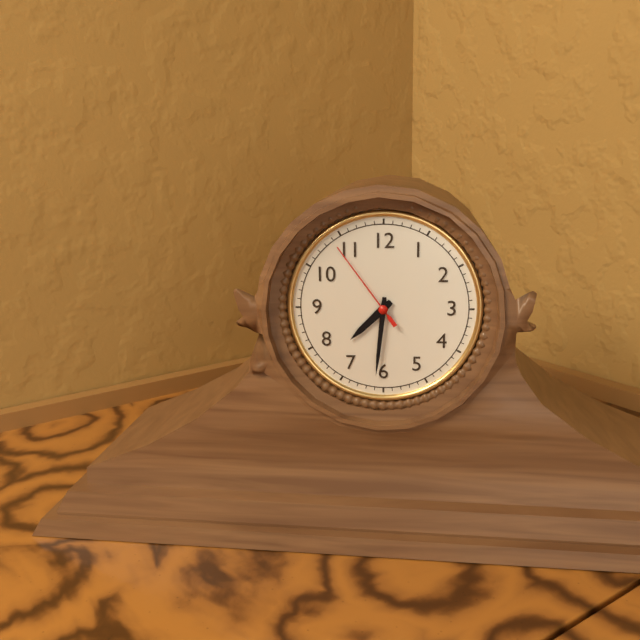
7:31:54
